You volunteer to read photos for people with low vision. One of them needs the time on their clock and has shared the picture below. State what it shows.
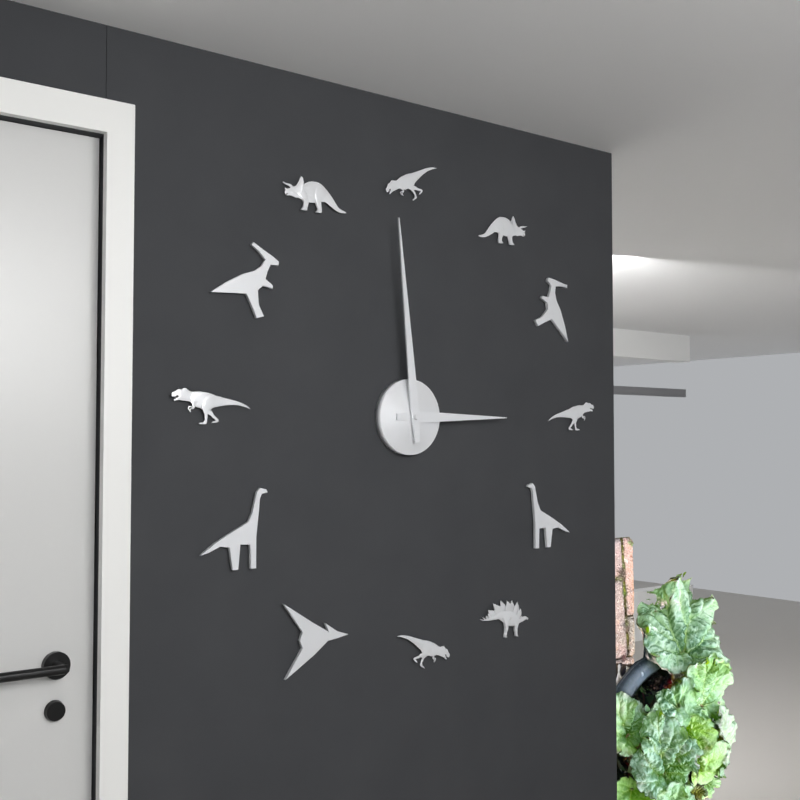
2:59
